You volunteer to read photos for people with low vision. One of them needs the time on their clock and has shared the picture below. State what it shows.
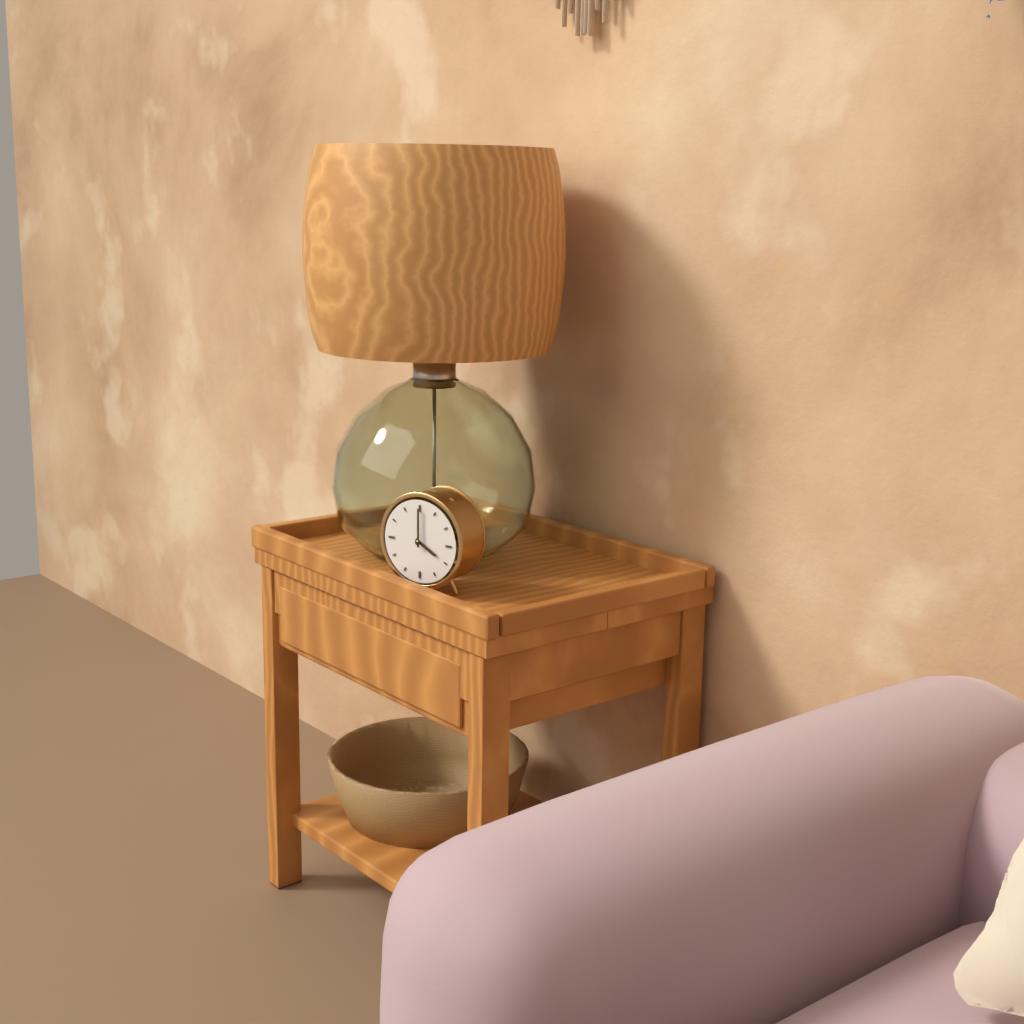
4:00
